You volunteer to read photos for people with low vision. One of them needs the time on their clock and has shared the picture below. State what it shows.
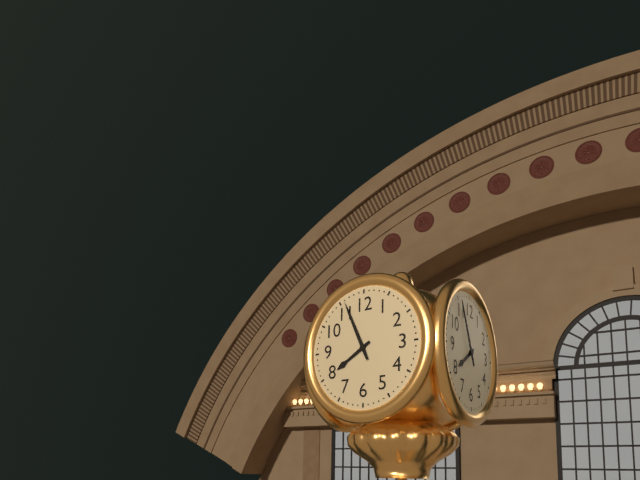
7:56
